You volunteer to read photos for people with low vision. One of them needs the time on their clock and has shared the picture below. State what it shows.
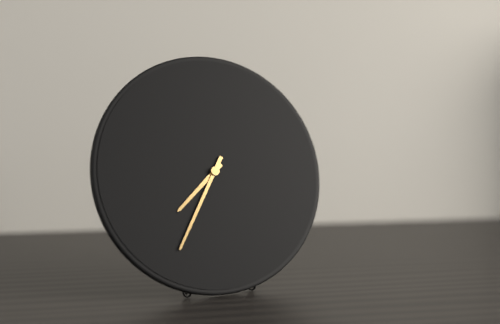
7:35
